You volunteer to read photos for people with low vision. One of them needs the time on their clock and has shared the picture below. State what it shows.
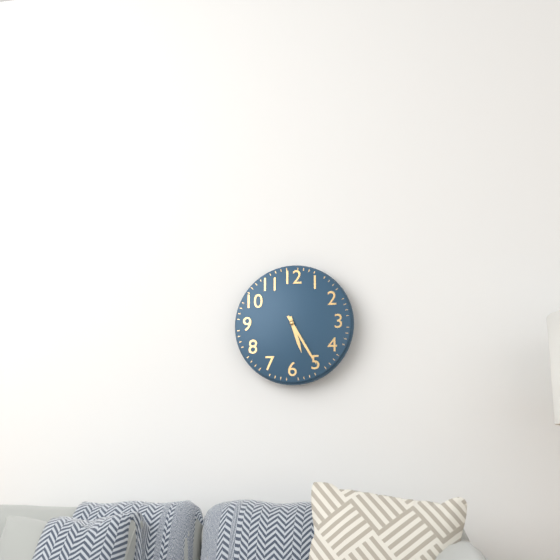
5:25
